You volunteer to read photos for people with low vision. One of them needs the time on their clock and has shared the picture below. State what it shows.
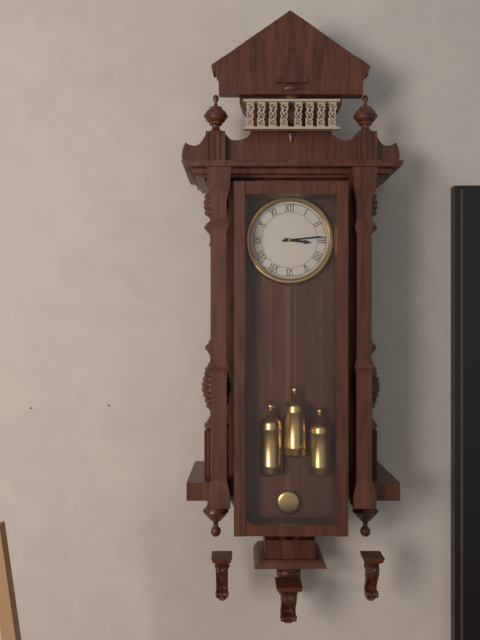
3:14
